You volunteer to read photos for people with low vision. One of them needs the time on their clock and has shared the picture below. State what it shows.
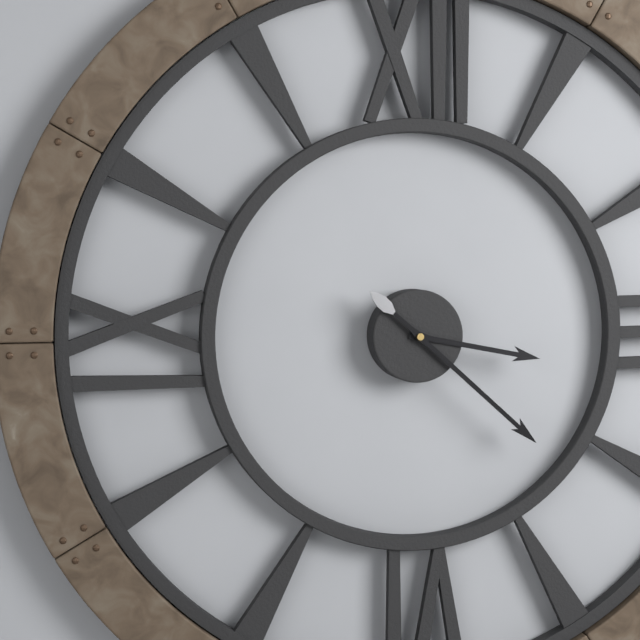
3:22
